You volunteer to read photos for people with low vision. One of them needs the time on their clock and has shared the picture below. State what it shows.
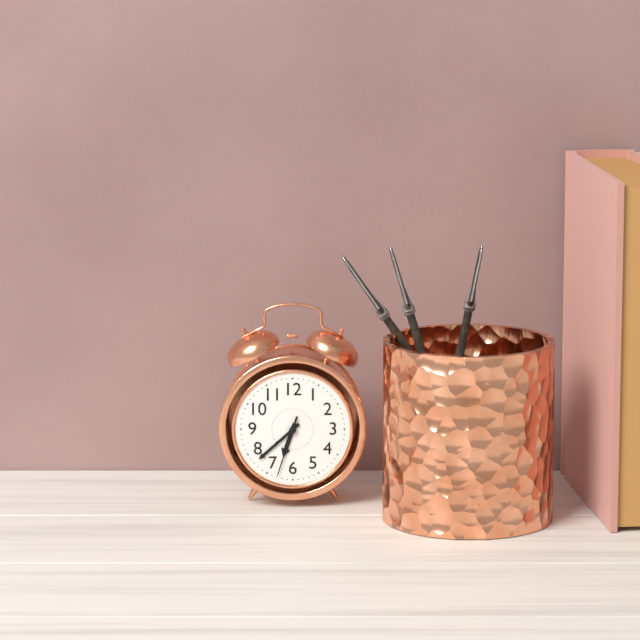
6:38:33
